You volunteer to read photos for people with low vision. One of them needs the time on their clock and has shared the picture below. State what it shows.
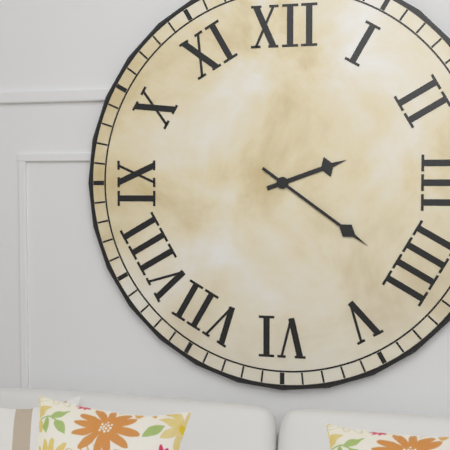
2:21
